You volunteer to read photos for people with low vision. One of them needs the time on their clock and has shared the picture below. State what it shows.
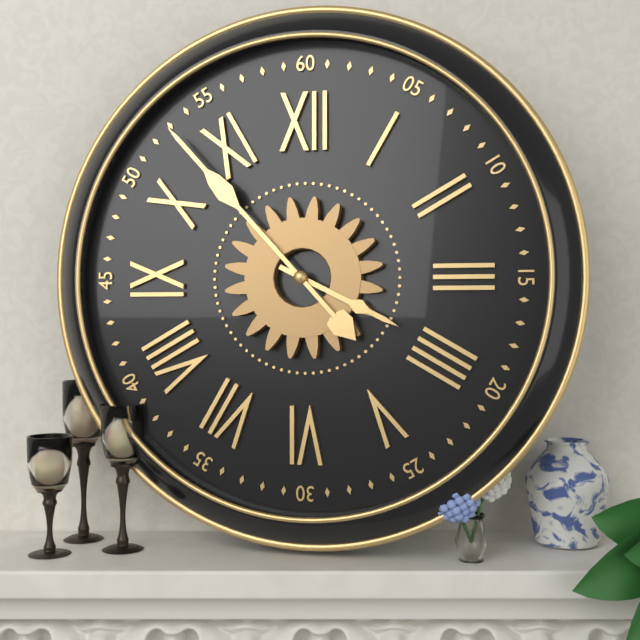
3:53
